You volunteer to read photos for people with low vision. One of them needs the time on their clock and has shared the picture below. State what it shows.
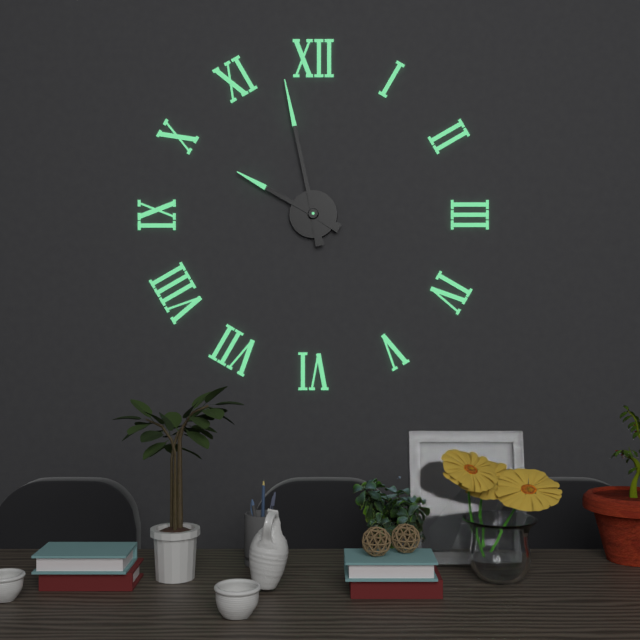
9:58
